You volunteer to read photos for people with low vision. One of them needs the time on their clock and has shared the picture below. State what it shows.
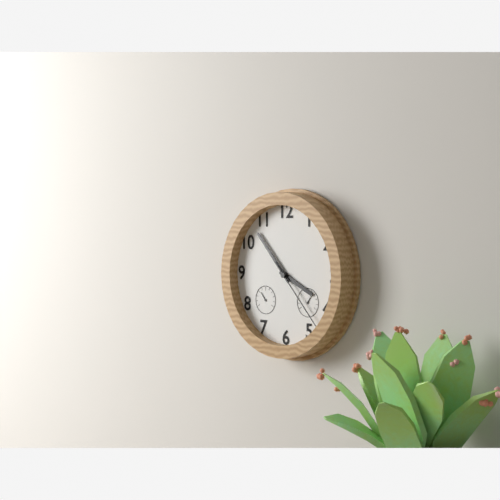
3:53:23
